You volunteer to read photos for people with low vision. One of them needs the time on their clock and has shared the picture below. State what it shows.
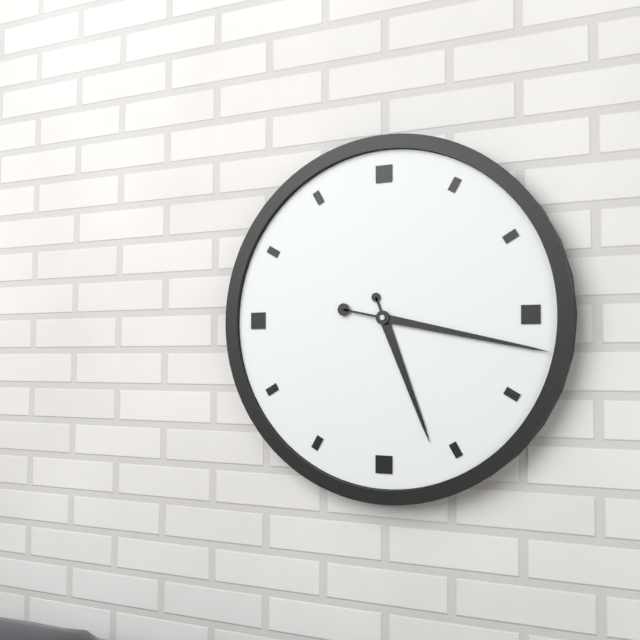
5:17
